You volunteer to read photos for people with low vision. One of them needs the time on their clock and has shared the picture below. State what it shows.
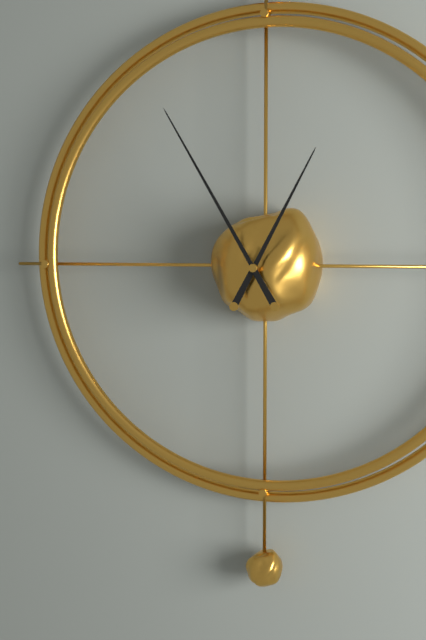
12:55
